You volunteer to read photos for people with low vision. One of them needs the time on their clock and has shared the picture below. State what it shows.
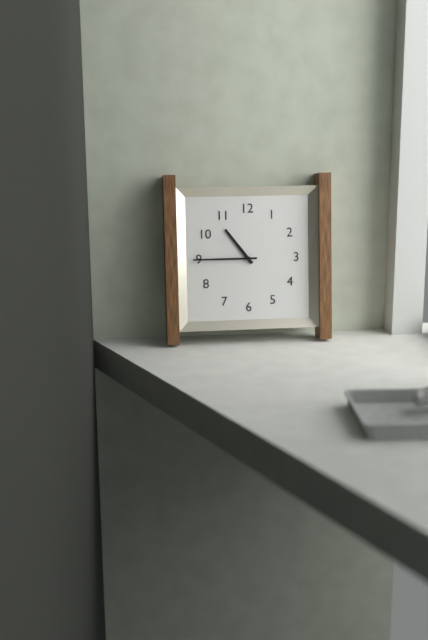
10:45
